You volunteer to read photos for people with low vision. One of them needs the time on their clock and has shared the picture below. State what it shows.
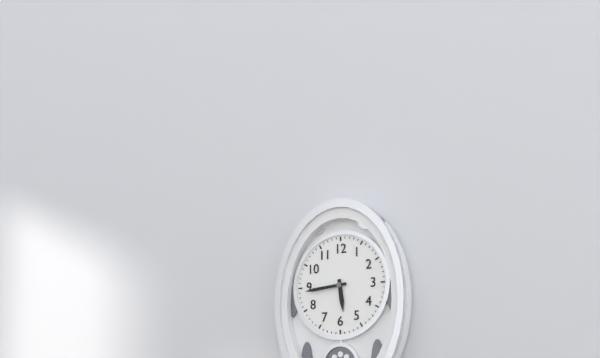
5:44
